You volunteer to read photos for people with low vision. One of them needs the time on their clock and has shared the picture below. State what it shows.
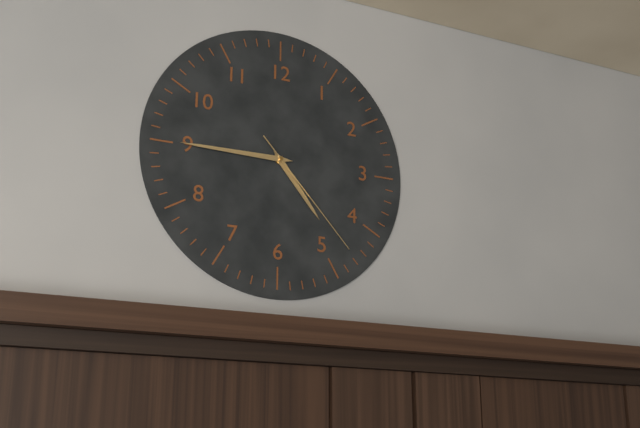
4:45:23
